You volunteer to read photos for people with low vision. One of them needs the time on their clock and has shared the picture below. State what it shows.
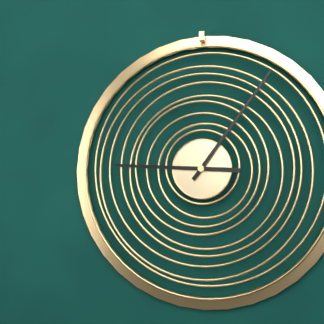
9:06
